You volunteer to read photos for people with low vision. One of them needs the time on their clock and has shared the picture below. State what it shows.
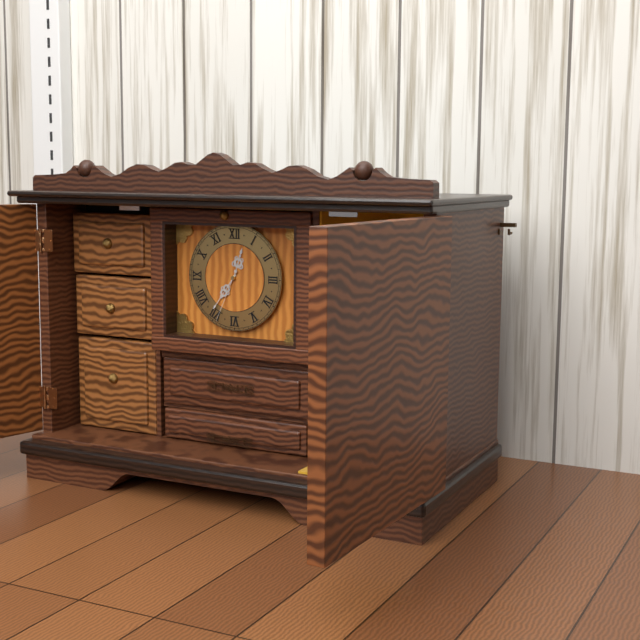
12:36:34
